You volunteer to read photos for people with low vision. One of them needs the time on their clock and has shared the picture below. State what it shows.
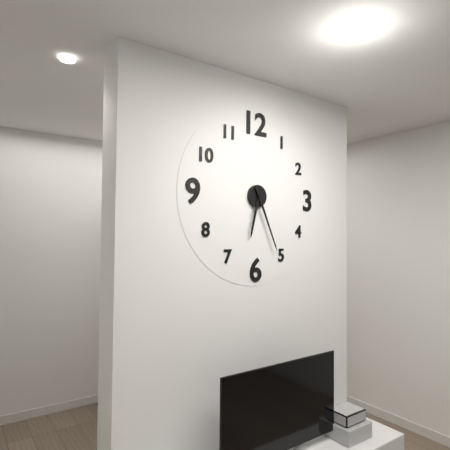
6:26
